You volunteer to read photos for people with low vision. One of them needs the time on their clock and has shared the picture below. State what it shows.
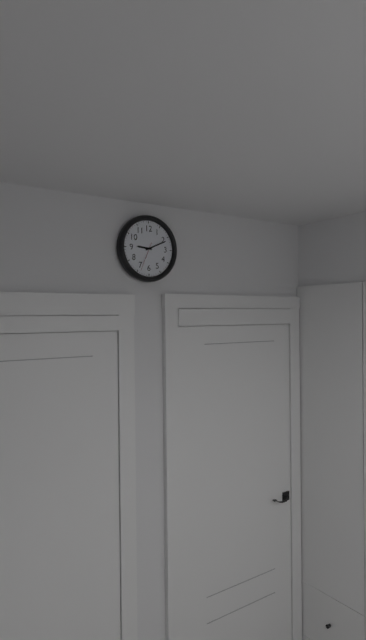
9:11
